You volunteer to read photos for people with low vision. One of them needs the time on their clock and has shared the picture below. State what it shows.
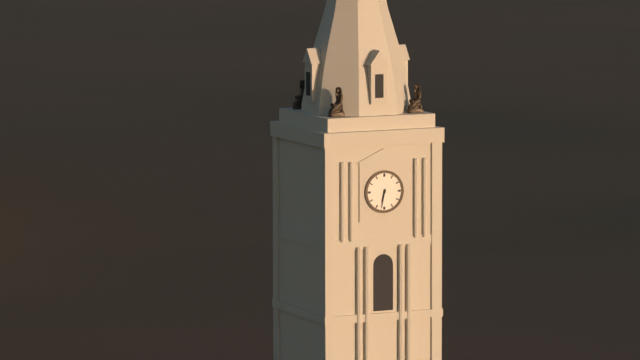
6:32
